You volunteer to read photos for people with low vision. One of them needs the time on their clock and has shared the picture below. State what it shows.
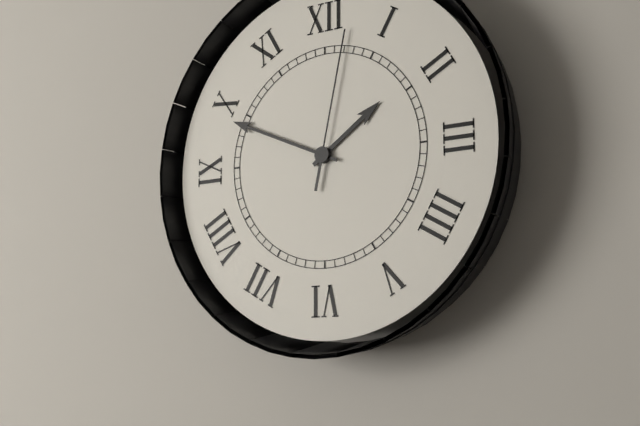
1:49:02
